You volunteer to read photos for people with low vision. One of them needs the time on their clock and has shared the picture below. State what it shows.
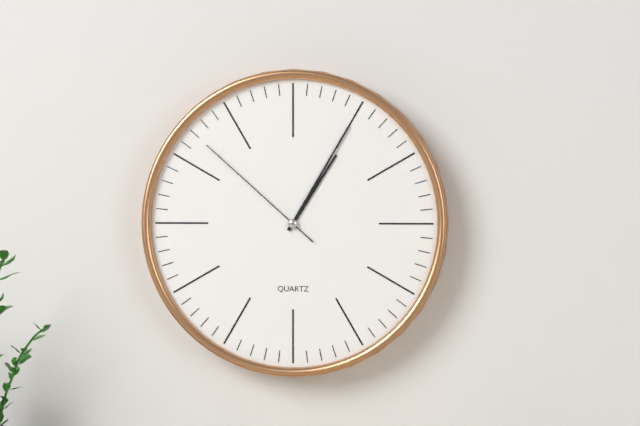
1:05:52
